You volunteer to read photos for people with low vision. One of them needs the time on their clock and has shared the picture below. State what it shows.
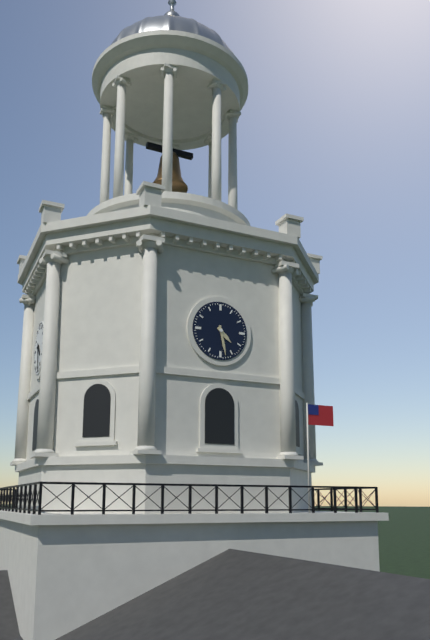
4:28
